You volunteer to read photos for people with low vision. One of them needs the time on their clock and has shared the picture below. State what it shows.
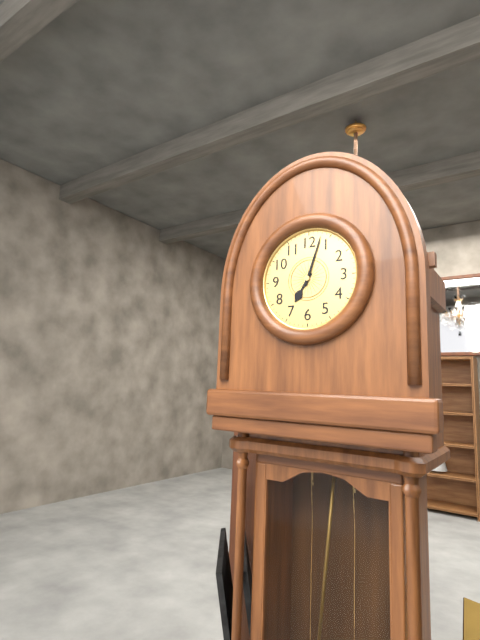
7:03
